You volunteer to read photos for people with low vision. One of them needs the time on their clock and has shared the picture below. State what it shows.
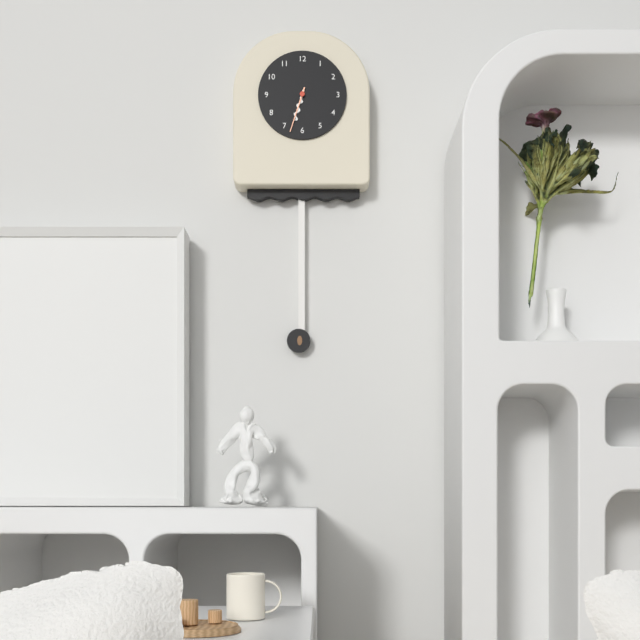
6:33
